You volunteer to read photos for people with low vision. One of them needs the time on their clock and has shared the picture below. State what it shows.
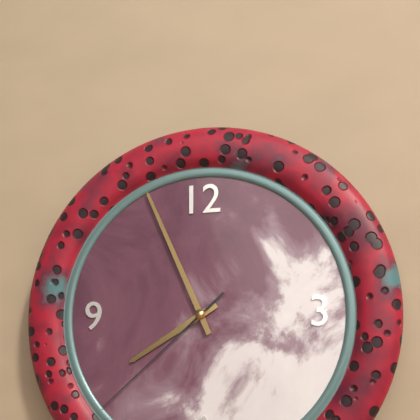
7:56:38
